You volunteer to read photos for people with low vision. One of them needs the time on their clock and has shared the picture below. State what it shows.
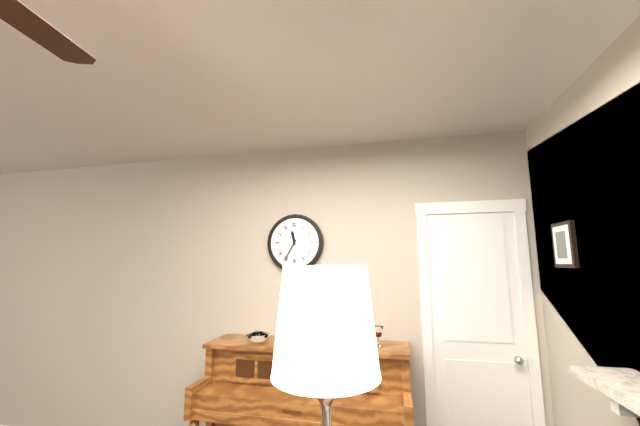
11:35
